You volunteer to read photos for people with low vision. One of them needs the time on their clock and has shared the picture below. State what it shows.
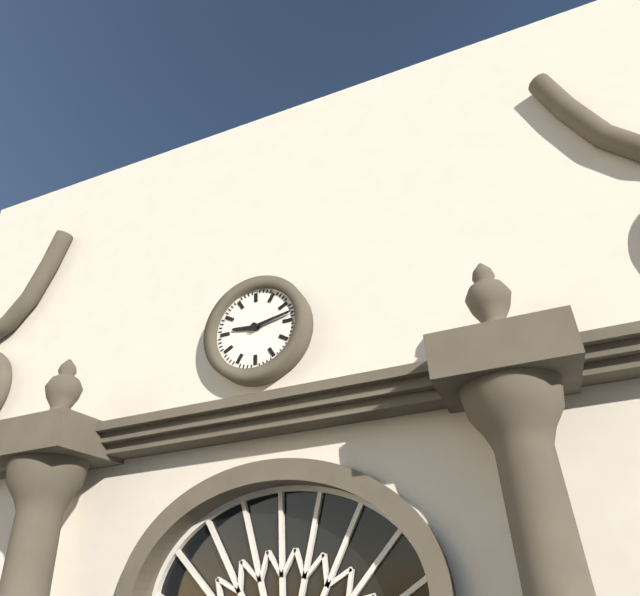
9:13
